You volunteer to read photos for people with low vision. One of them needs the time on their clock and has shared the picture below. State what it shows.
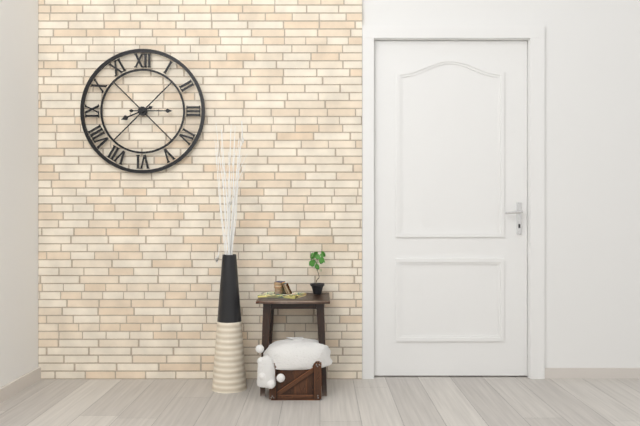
8:15
